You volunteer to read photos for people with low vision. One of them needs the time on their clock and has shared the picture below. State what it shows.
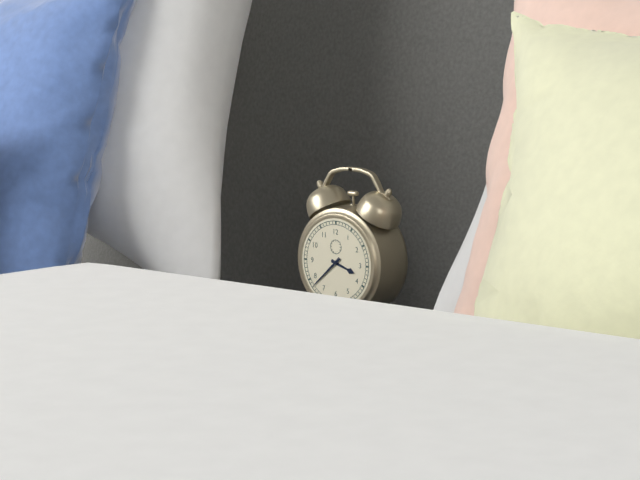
3:38
